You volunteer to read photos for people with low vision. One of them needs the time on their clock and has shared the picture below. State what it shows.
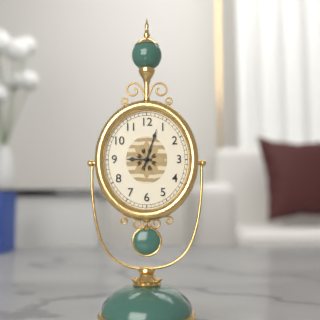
9:03
